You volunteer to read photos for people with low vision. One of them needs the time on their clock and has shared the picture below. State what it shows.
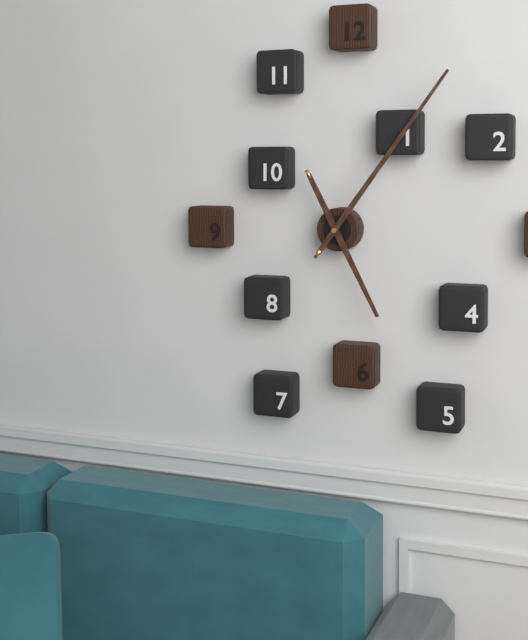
5:06
